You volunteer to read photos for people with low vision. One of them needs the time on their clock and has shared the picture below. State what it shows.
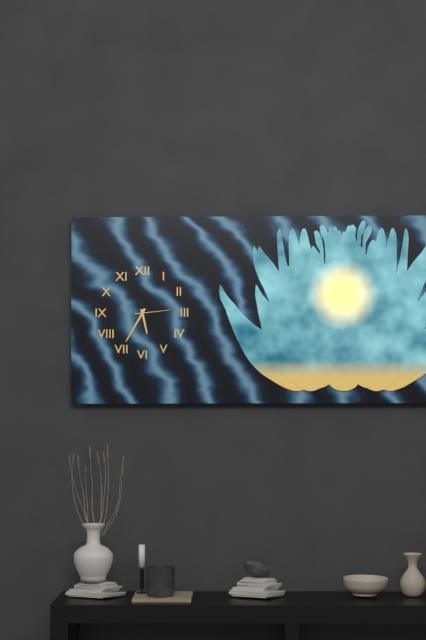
5:35
